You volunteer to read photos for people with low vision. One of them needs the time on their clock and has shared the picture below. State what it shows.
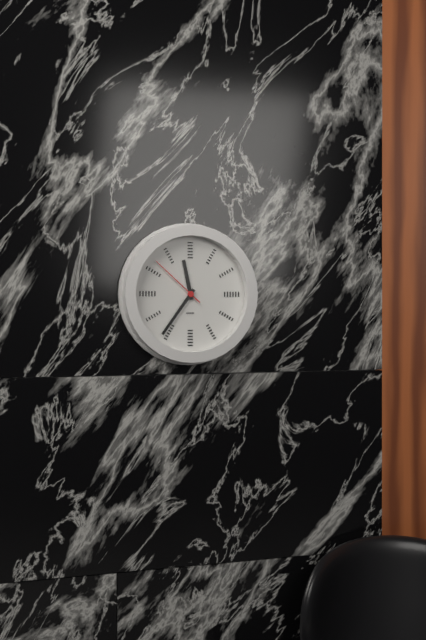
11:36:52
